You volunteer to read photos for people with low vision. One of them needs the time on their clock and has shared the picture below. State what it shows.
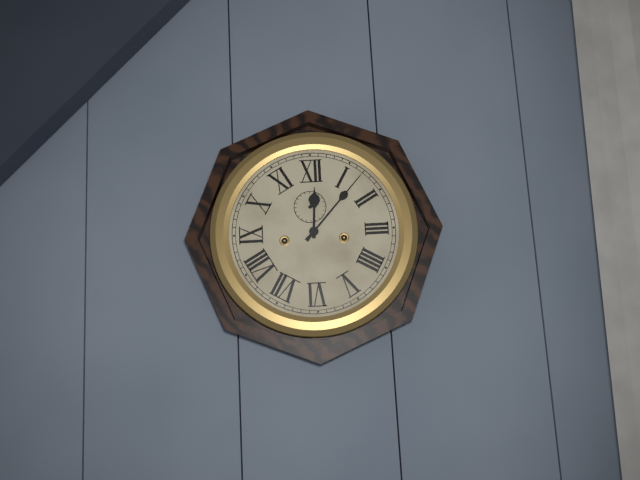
12:07
